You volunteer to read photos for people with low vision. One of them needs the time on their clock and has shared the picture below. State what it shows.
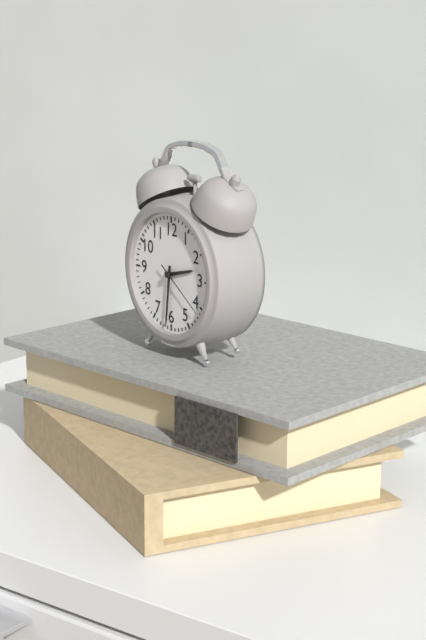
2:31:21
